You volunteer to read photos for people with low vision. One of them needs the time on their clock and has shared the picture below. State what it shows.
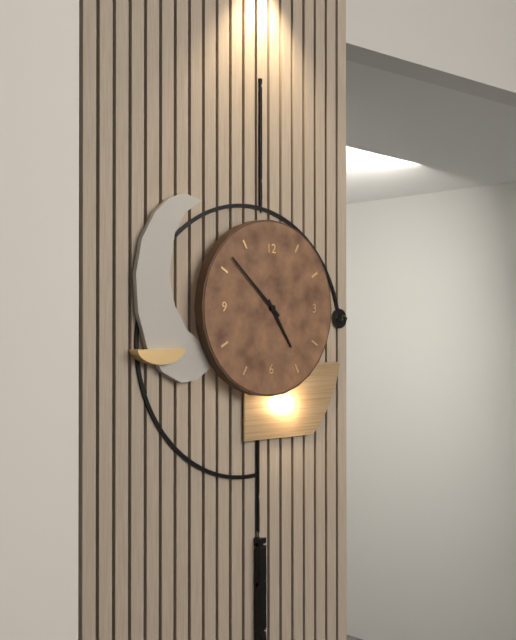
4:52
